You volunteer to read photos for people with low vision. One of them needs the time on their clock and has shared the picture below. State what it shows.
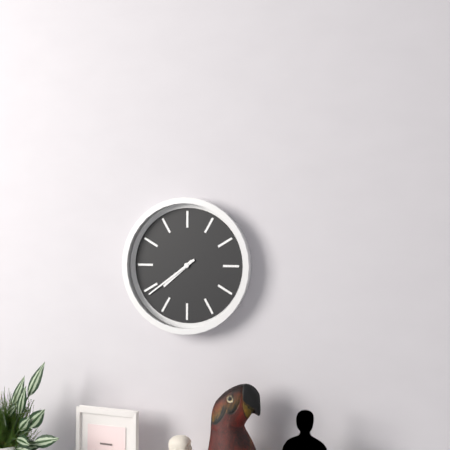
7:39
